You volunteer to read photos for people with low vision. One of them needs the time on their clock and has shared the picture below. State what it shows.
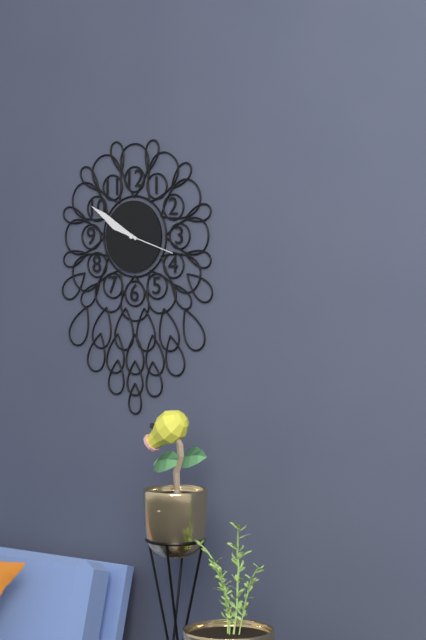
9:50:18
